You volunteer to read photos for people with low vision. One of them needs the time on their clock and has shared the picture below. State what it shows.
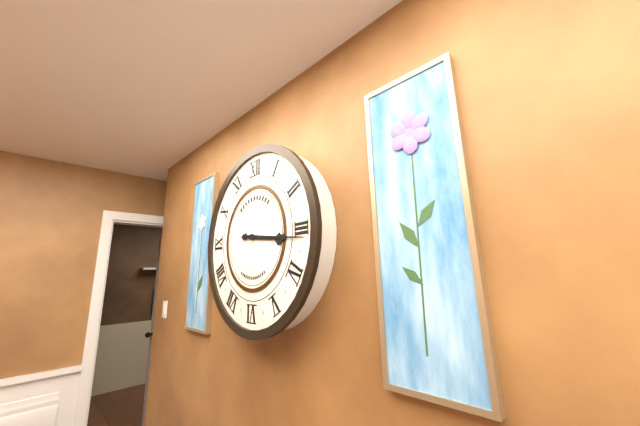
3:16
